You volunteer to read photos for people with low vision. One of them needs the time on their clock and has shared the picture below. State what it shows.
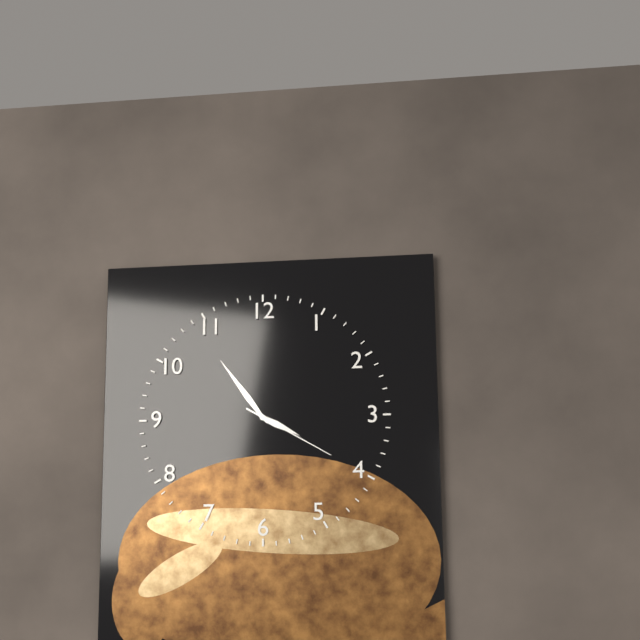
3:54:20
